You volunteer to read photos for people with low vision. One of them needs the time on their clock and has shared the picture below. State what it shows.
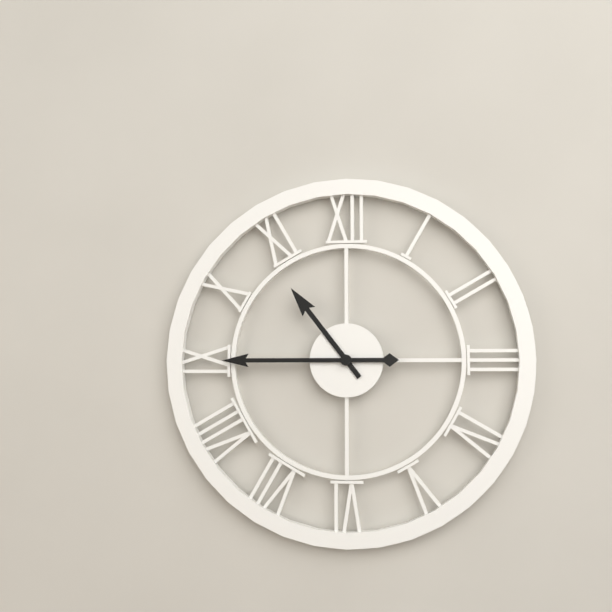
10:45
